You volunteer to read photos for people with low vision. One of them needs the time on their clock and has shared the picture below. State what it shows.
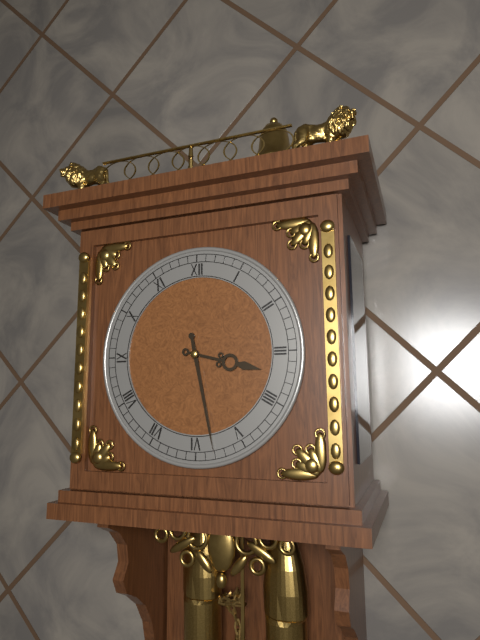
3:28
